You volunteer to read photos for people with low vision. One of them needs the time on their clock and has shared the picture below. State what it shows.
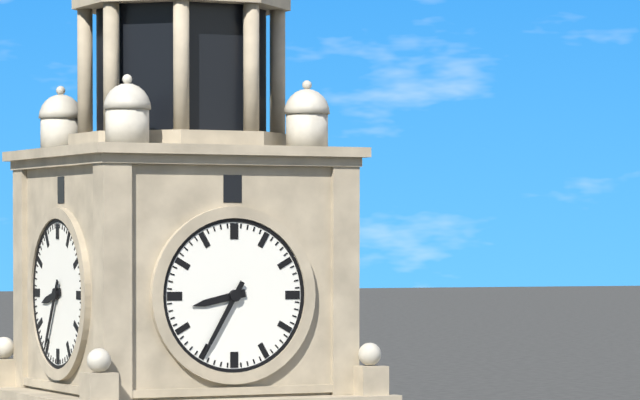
8:35
